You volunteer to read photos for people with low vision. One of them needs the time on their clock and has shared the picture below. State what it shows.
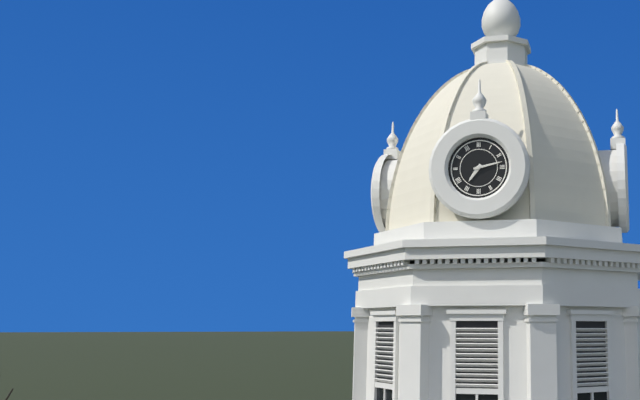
7:13
